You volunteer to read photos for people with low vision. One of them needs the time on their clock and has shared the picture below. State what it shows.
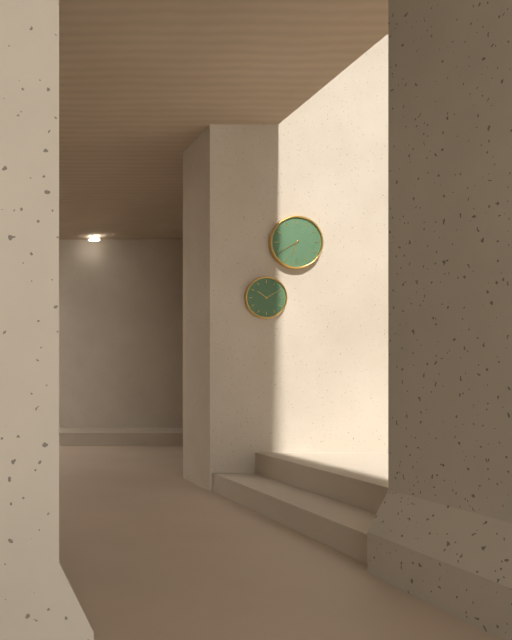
6:40
